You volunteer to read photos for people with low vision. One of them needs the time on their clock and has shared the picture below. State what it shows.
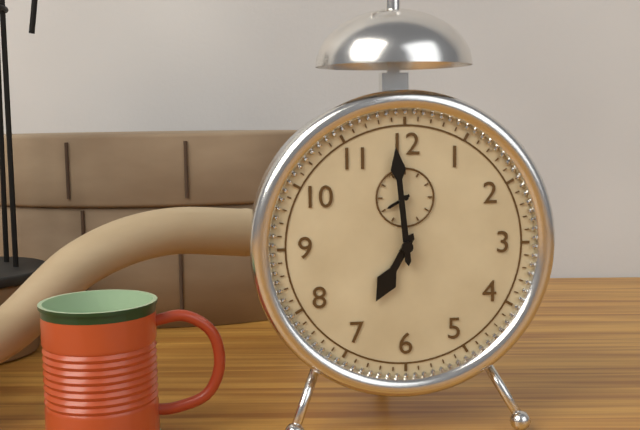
6:59
